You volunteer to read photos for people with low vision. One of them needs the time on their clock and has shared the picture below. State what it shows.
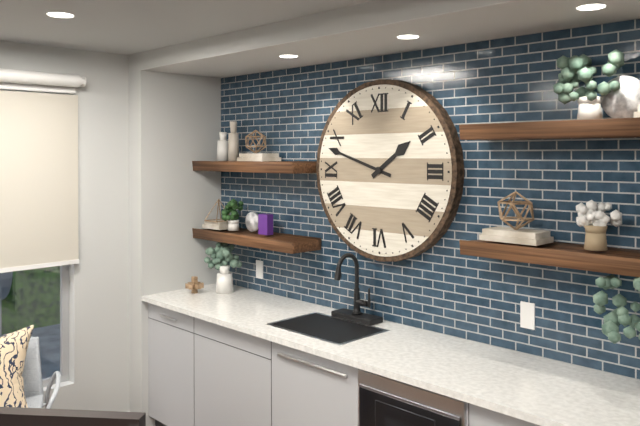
1:48
